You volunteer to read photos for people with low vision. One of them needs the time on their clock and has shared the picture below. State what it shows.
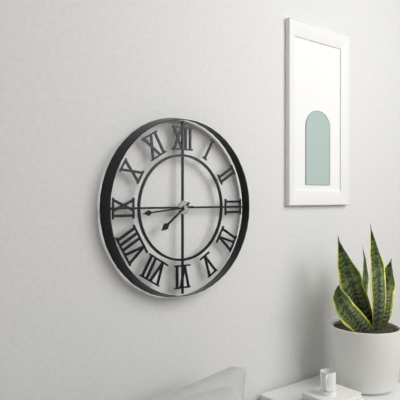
7:44
